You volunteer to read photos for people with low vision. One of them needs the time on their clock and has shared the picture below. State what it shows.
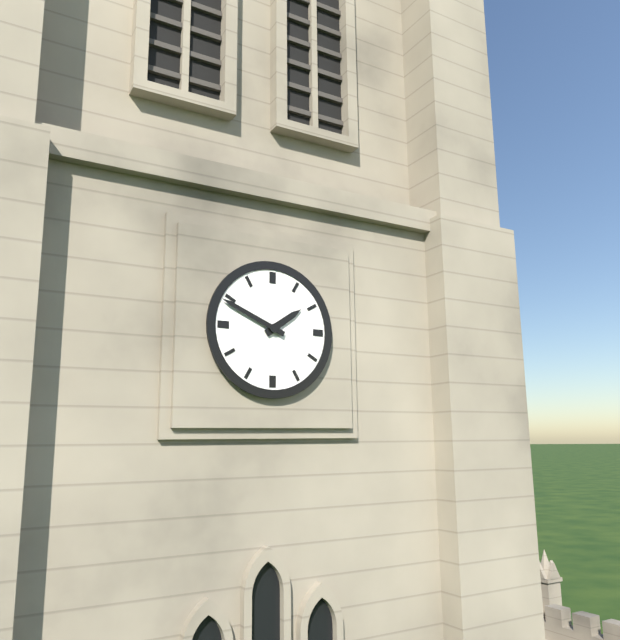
1:49
